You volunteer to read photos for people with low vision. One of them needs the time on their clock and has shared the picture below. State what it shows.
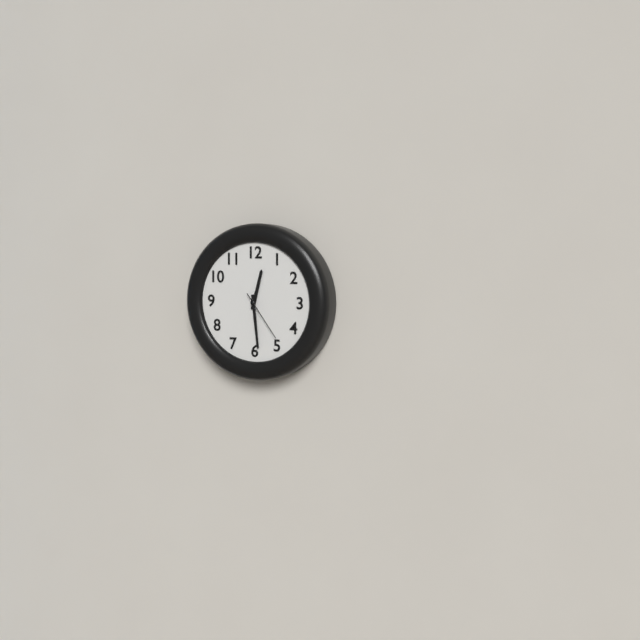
12:29:24
